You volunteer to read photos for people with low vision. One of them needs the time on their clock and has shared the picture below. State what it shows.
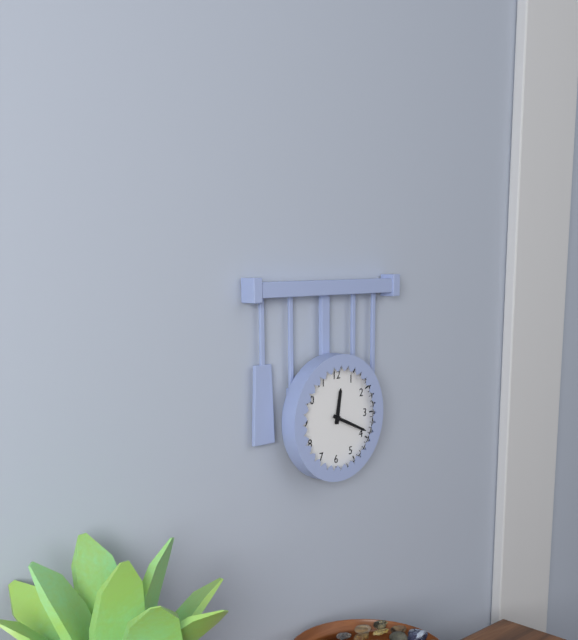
12:19
